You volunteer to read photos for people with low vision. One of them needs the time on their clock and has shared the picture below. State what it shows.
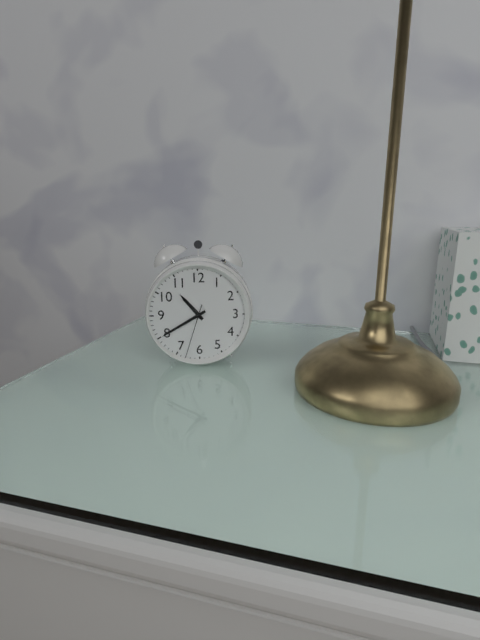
10:40:33
